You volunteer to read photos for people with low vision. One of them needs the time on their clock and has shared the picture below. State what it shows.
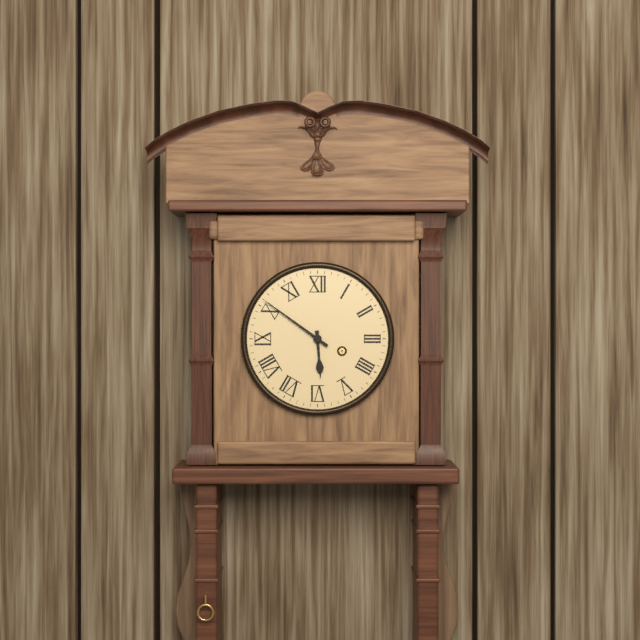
5:51
